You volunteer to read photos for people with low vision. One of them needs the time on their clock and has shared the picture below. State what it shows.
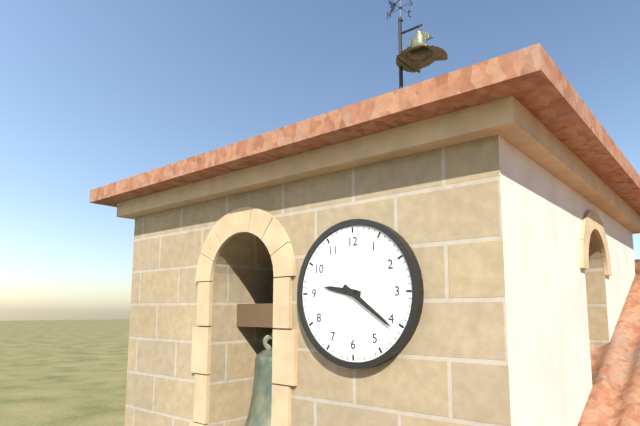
9:21
